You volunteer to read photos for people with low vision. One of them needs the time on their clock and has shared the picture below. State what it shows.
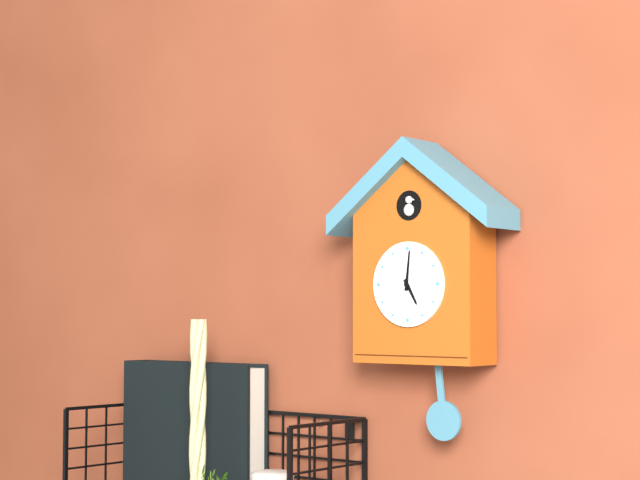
5:01
